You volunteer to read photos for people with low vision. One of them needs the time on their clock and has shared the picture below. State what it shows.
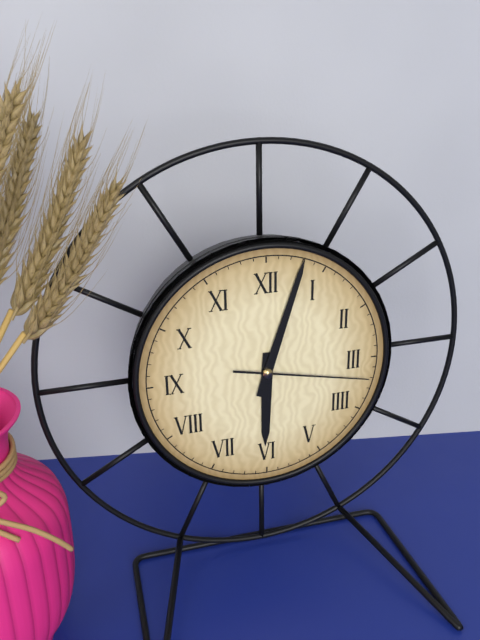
6:03:17
